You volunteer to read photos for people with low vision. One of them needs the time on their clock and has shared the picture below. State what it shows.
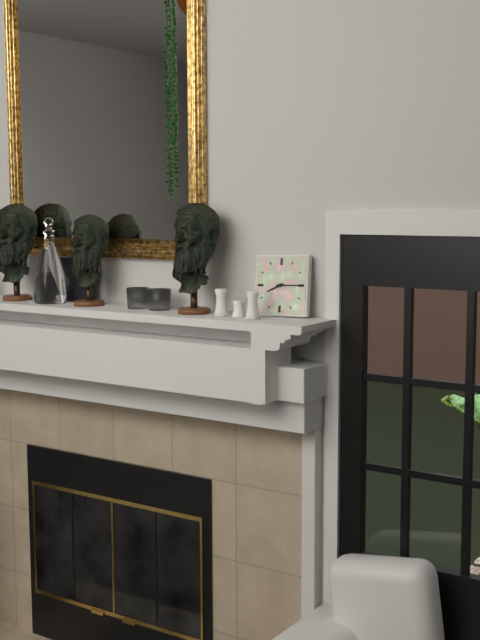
8:15
